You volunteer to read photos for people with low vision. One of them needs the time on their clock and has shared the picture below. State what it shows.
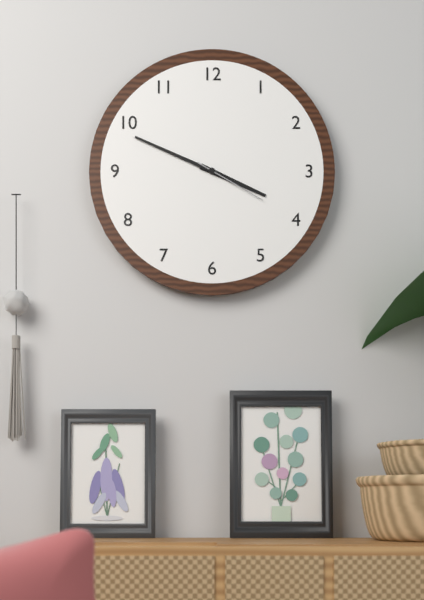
3:49:20
